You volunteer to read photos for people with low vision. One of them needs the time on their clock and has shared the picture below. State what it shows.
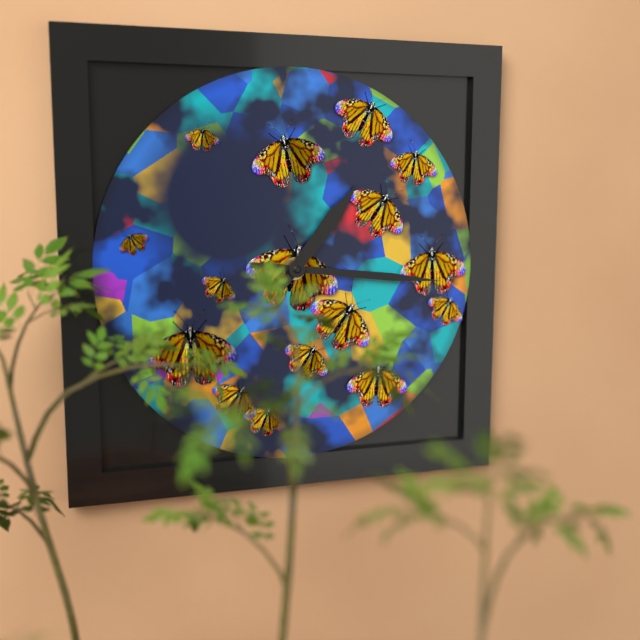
1:16
